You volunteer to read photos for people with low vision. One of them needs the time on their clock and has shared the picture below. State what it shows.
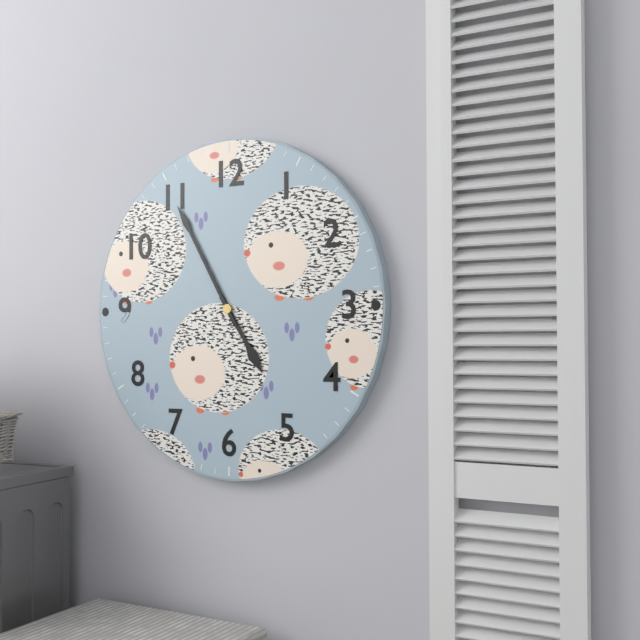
4:55
